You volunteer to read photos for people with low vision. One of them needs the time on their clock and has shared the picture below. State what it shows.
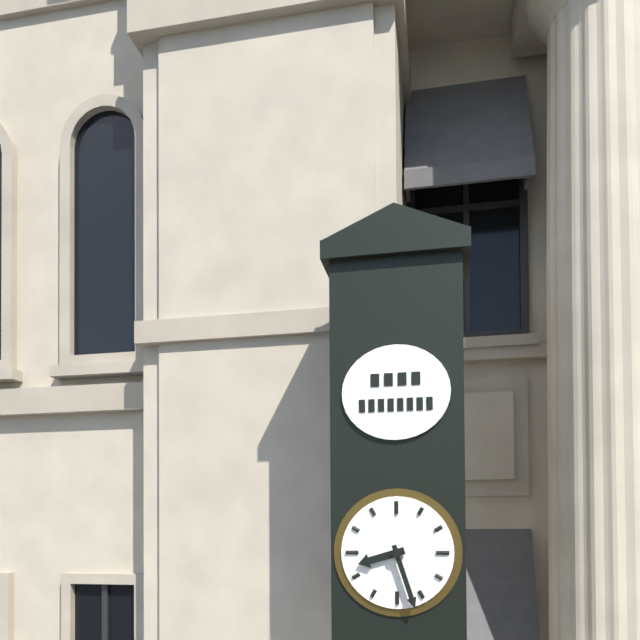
8:27
